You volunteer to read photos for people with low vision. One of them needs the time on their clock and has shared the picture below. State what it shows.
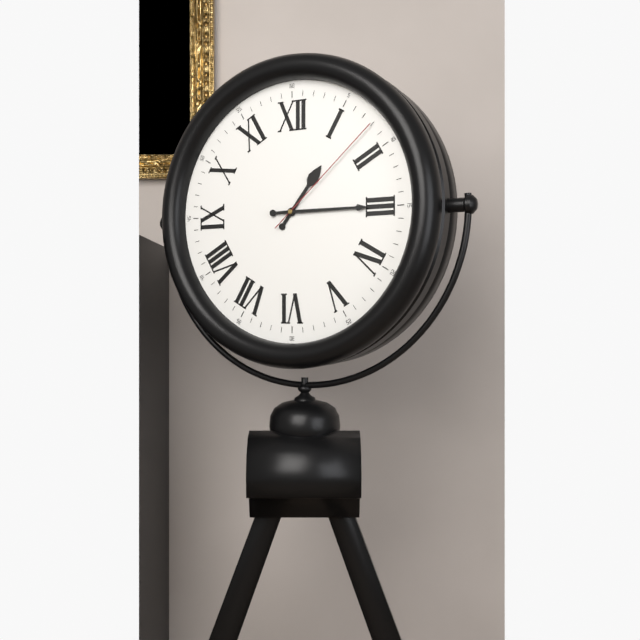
1:15:08
